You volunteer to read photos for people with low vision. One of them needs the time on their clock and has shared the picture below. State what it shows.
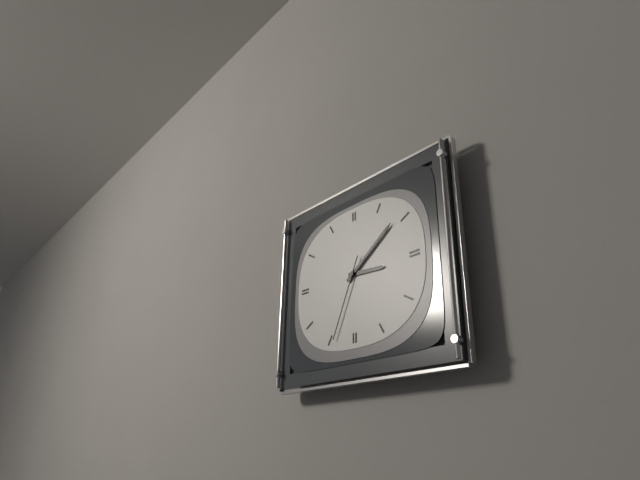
3:09:34
